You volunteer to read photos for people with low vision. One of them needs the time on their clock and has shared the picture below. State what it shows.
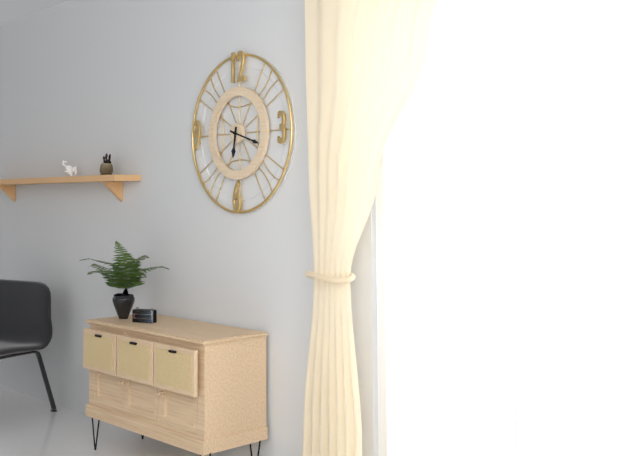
6:18
